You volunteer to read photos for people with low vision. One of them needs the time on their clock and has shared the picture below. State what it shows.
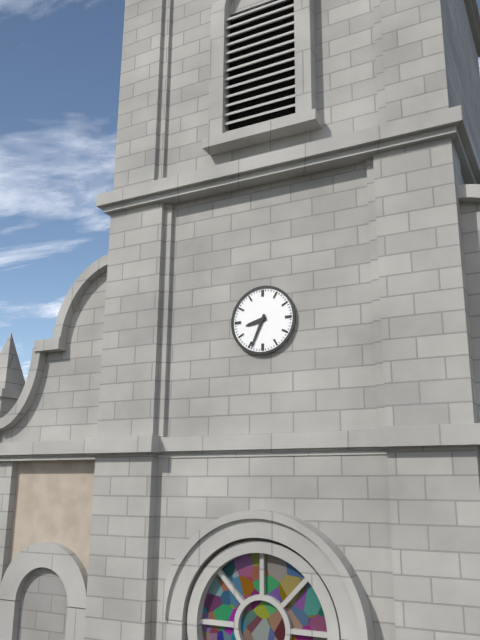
8:34
